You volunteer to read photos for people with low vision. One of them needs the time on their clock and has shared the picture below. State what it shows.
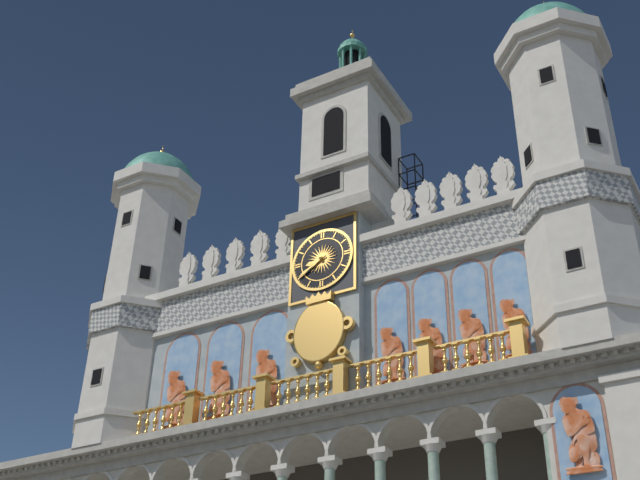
8:40
